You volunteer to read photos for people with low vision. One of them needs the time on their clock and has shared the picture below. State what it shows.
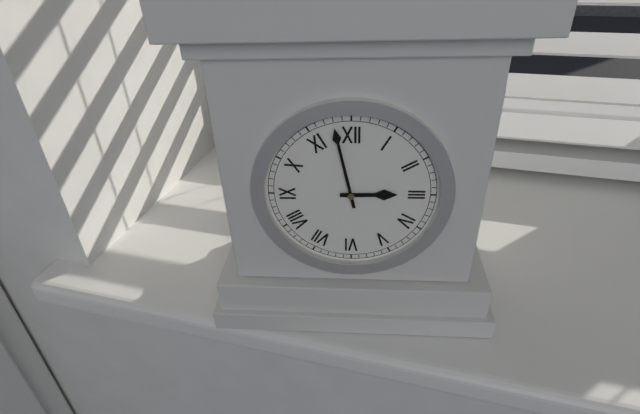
2:58
